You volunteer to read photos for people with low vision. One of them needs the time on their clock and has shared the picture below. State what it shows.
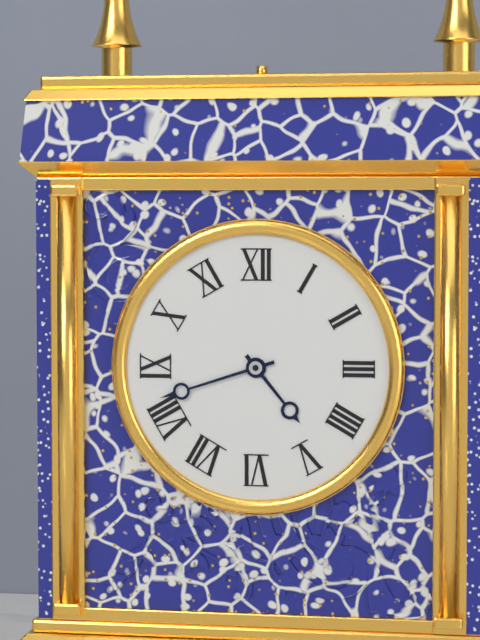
4:42
